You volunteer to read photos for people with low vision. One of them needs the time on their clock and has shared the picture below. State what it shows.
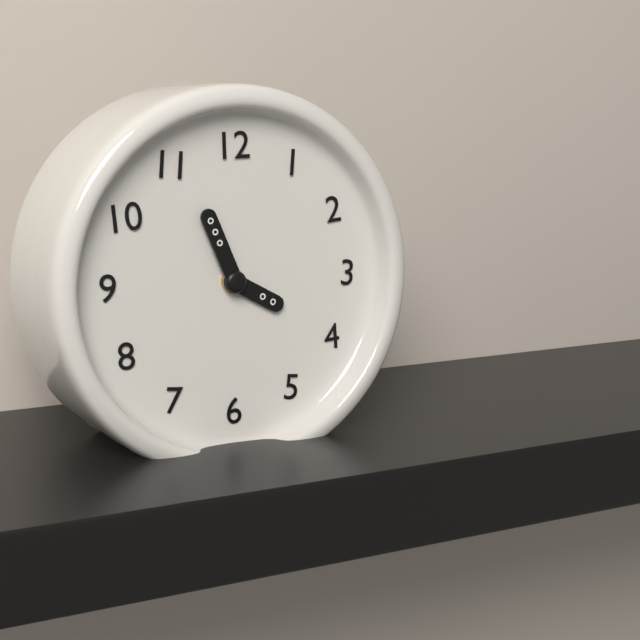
3:56
